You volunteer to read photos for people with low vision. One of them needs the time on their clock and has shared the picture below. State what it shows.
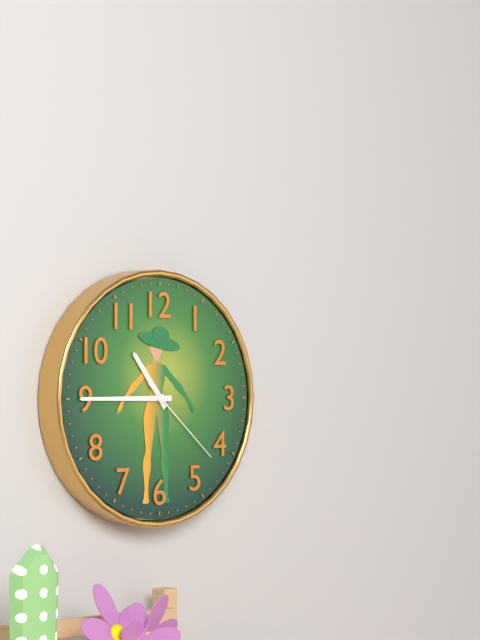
10:45:22
